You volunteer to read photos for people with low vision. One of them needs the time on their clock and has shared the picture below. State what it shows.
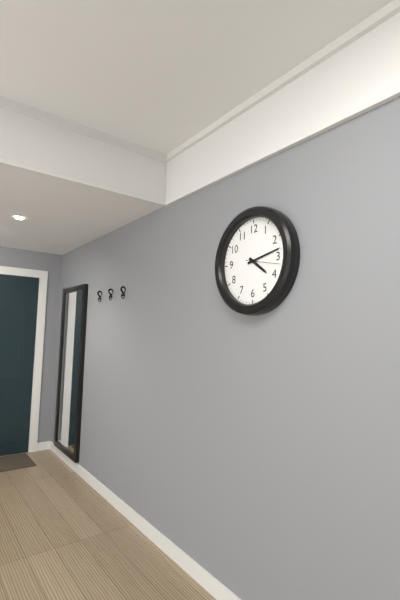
4:13
